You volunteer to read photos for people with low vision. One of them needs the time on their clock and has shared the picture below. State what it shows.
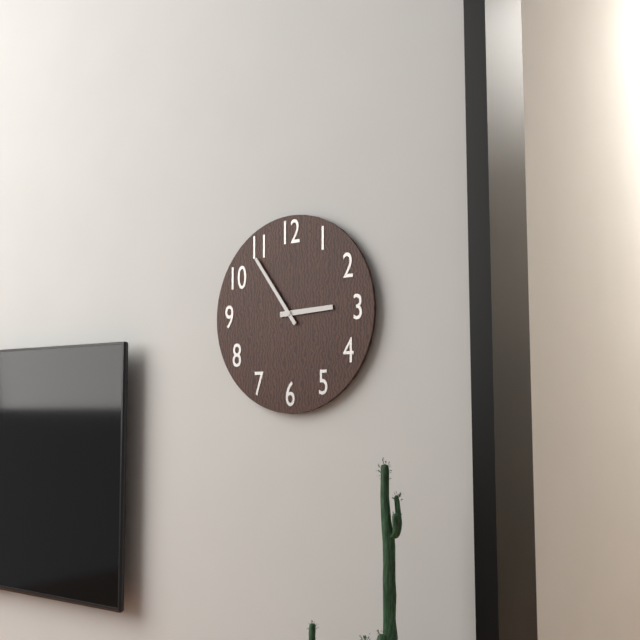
2:54
